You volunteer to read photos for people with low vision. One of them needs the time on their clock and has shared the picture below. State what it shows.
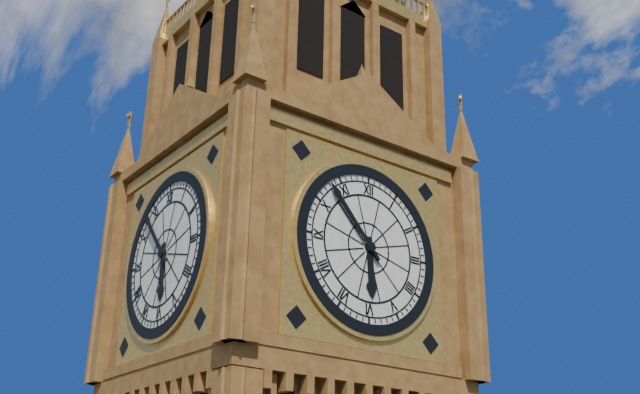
5:53
